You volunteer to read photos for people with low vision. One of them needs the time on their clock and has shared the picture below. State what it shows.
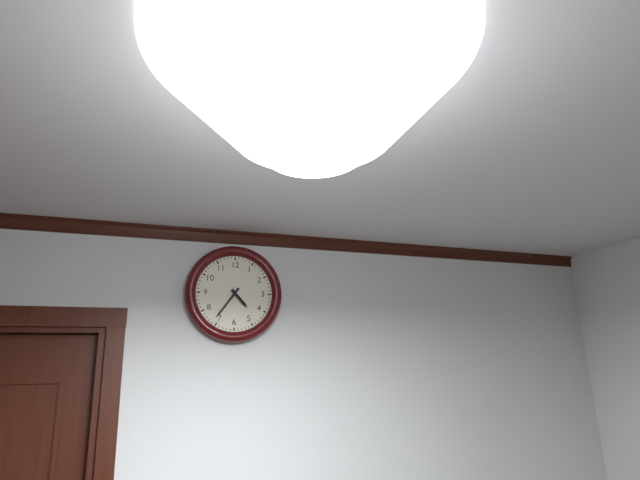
4:36
